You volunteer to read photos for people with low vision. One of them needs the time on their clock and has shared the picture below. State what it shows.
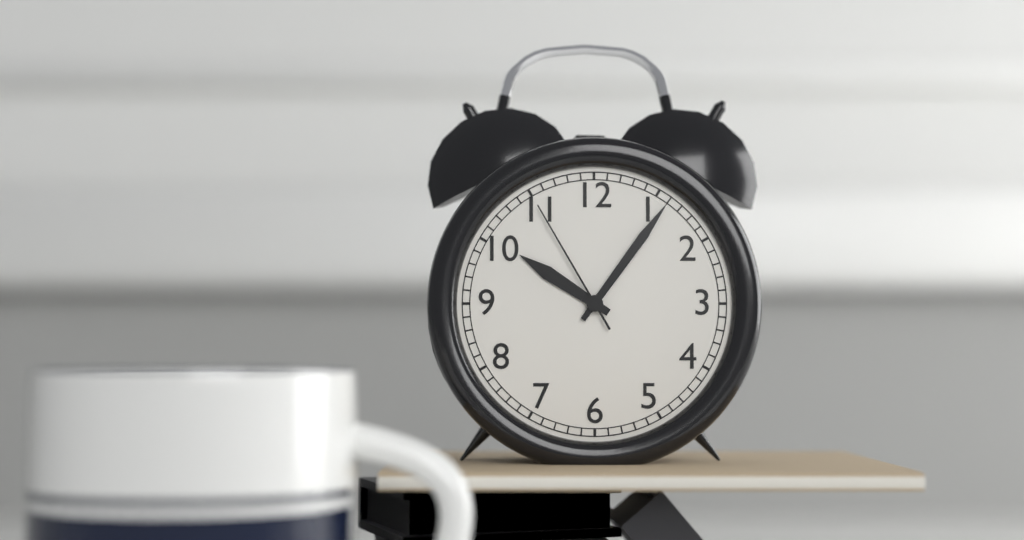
10:06:55
